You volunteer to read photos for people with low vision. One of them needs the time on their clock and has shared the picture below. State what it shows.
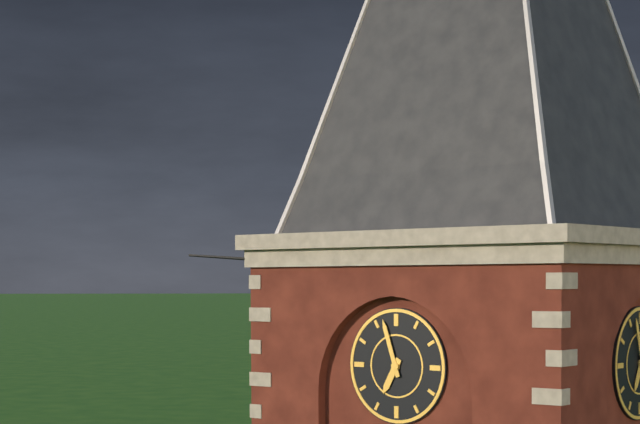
6:57
